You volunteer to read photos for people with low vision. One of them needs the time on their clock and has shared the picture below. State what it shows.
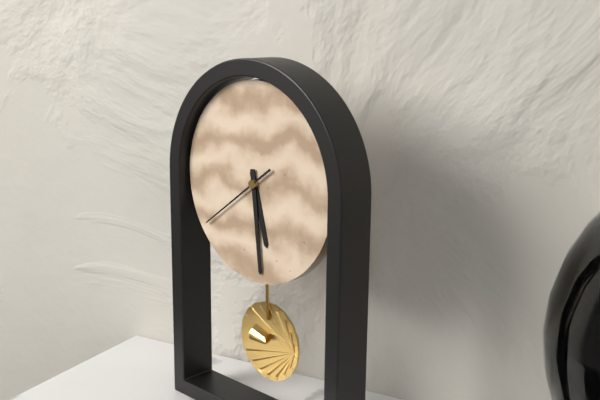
5:29:39
